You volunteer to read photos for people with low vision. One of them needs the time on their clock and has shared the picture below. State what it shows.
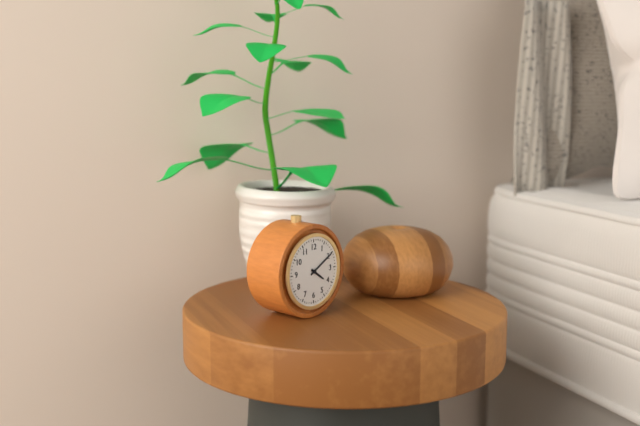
4:10
